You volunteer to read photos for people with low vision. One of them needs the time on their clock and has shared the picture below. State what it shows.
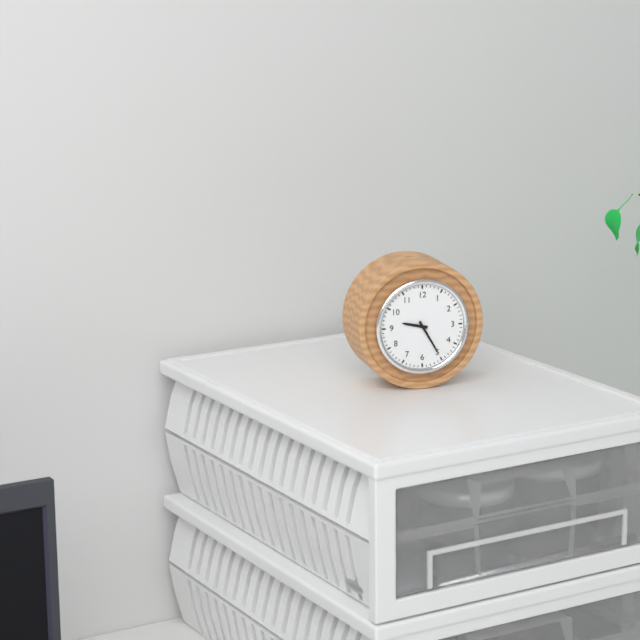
9:25
